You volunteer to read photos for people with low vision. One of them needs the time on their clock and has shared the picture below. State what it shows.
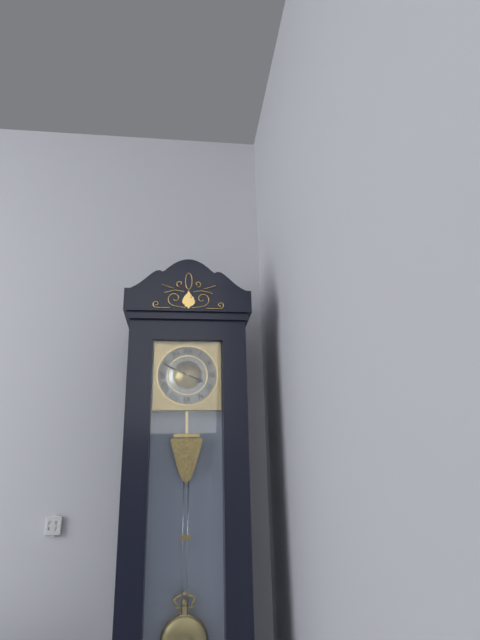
3:49
